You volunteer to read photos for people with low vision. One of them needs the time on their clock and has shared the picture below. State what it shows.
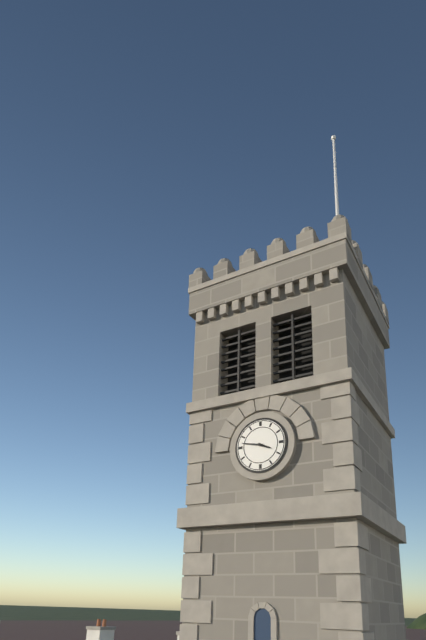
3:47
